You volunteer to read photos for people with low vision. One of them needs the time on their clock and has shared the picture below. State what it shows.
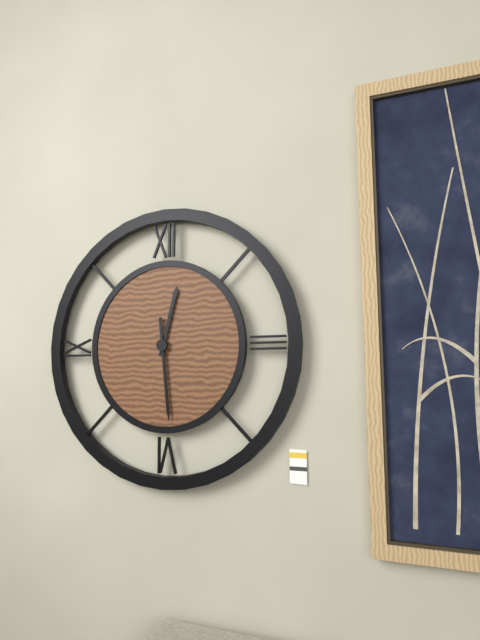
12:29
